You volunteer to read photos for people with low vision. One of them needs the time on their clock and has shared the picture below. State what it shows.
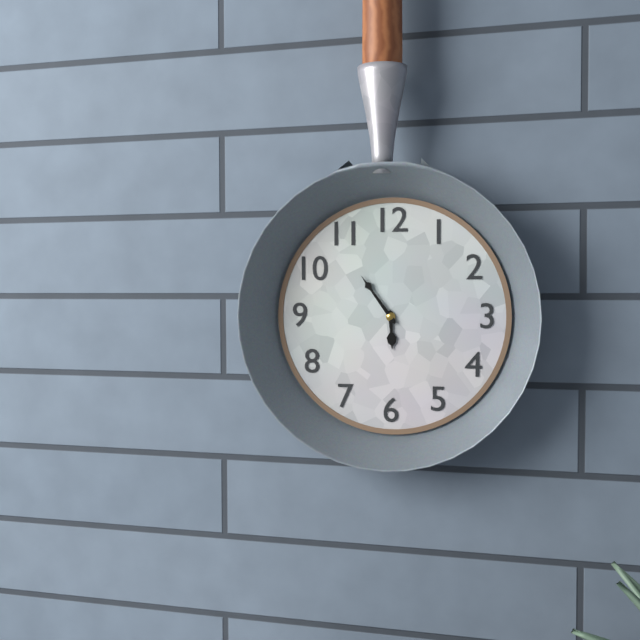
5:54
